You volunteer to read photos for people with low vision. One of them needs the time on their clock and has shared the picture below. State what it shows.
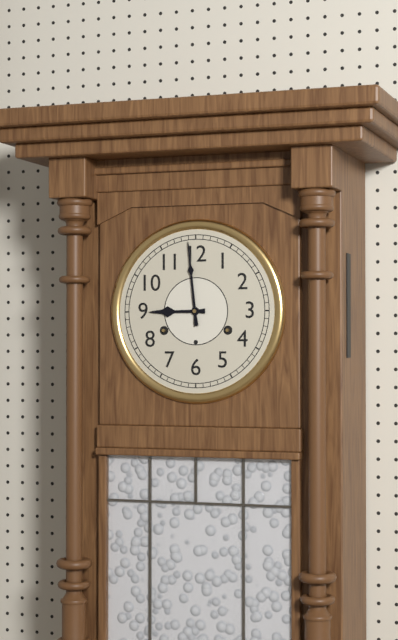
8:59
